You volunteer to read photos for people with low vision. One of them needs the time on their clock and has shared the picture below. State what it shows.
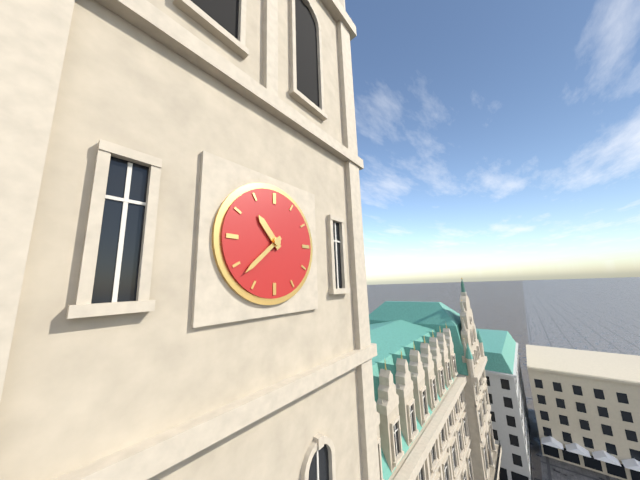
10:38
